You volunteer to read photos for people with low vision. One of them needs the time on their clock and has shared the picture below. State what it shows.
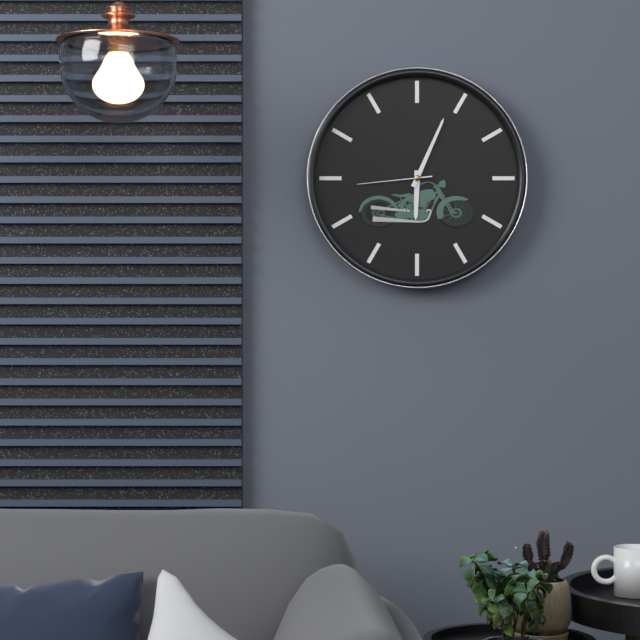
6:04:44
